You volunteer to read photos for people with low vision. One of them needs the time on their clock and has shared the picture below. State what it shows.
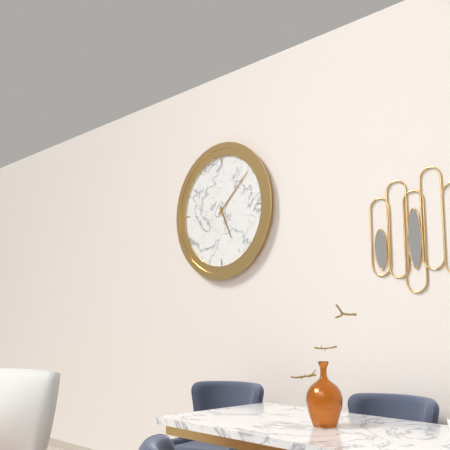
5:08
